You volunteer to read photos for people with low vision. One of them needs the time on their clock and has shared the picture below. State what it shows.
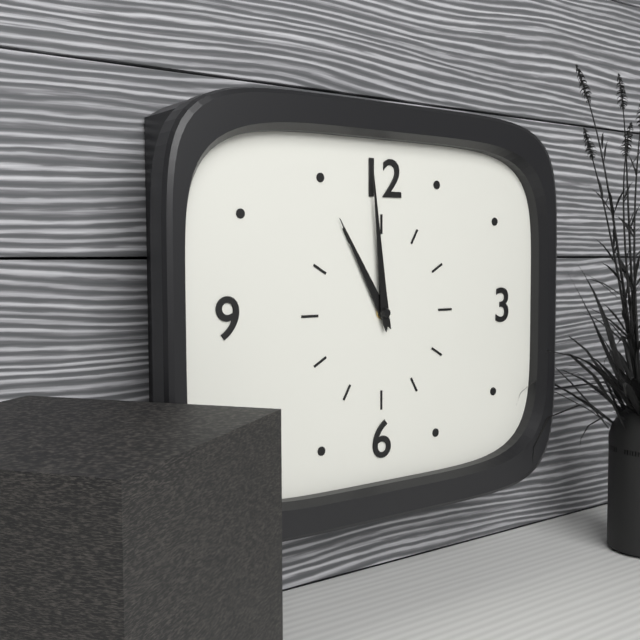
10:59
